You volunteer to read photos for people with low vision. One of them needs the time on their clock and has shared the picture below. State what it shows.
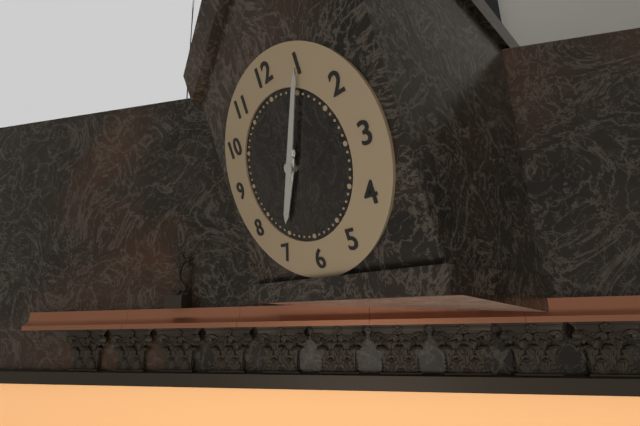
7:05
